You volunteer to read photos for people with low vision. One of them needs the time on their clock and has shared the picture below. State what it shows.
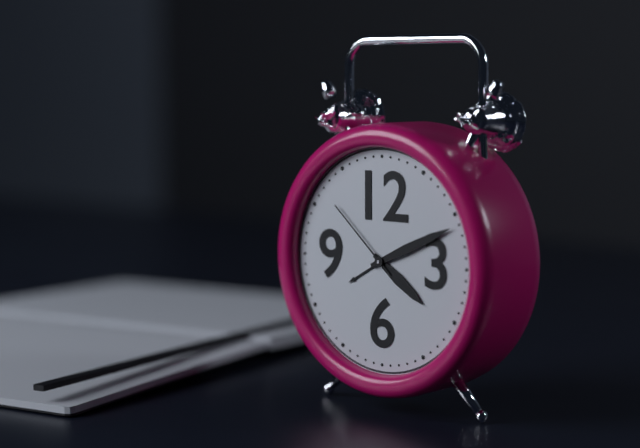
4:11:52
